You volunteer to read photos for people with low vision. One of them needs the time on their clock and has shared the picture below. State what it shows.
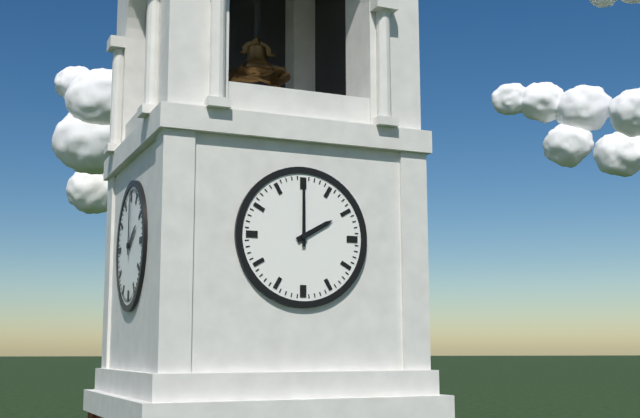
2:00
